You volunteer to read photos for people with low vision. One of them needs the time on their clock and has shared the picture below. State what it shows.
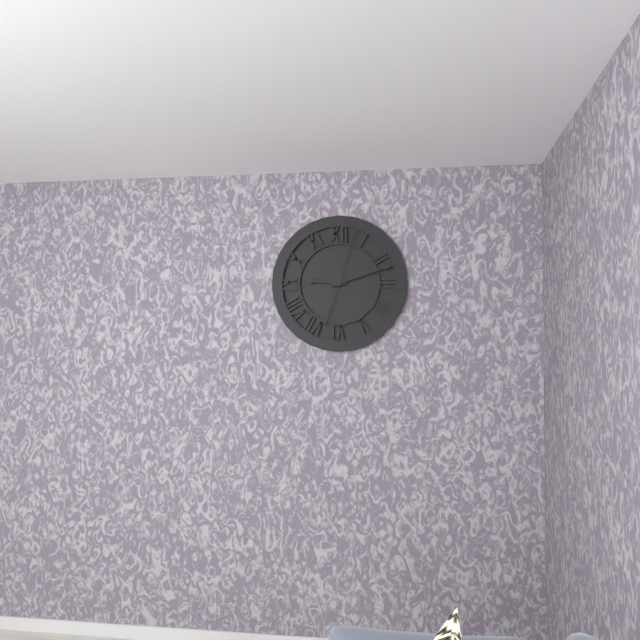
9:12:03
